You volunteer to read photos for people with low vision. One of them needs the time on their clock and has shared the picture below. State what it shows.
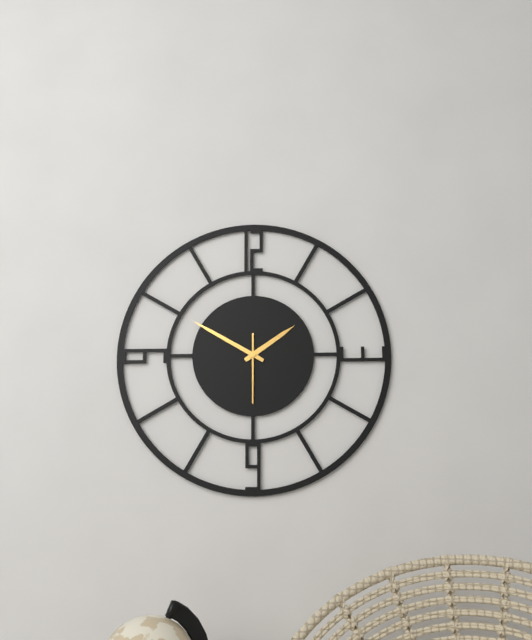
1:50:30
